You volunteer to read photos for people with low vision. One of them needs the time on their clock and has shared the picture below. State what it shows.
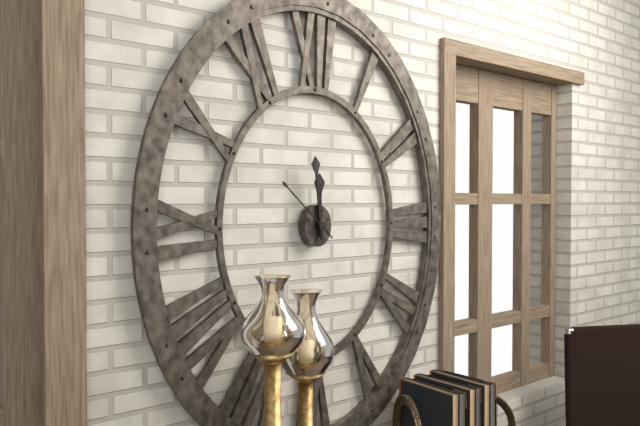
11:59:52
